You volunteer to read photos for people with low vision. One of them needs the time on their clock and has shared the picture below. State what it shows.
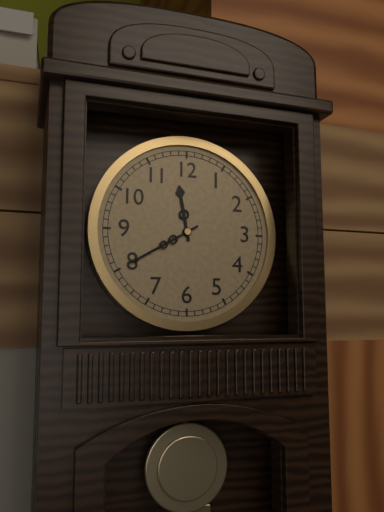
11:40
